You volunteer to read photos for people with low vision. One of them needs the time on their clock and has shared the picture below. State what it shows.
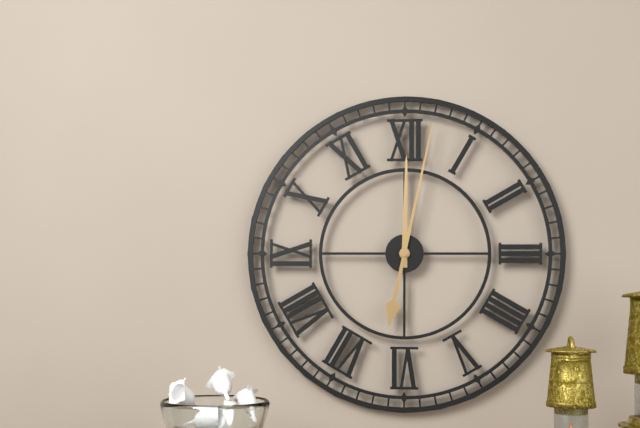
12:02
